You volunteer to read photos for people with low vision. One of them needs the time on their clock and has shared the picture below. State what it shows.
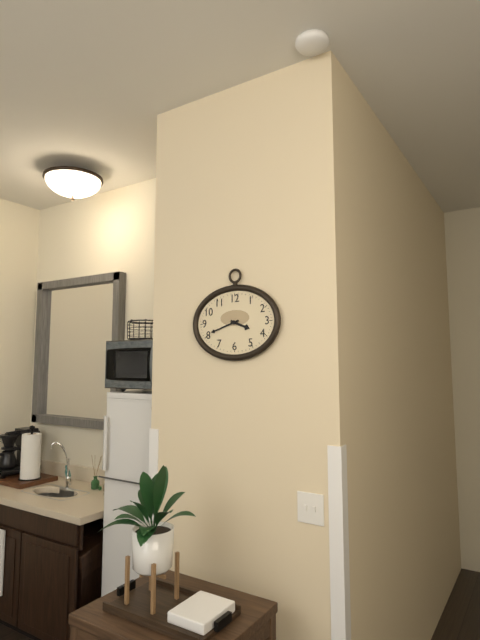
3:42
